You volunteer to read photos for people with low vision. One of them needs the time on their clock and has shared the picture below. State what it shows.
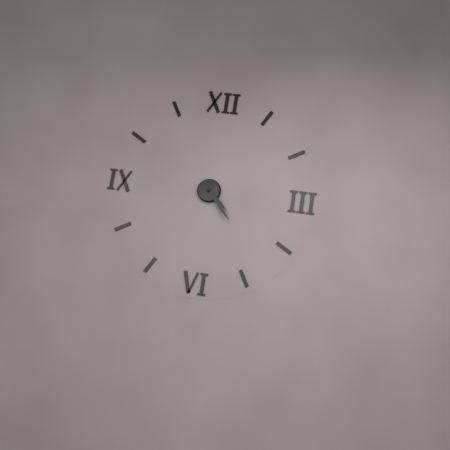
4:23
